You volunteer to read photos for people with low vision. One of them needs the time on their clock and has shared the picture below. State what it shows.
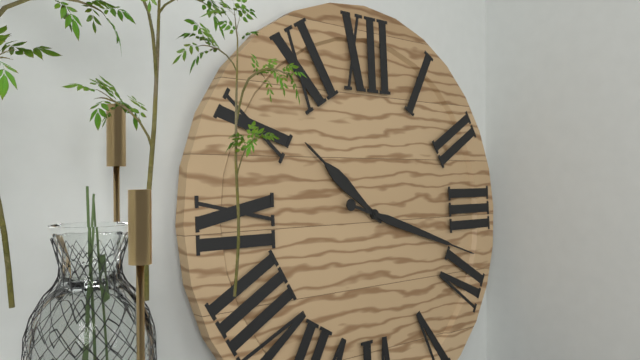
10:18
